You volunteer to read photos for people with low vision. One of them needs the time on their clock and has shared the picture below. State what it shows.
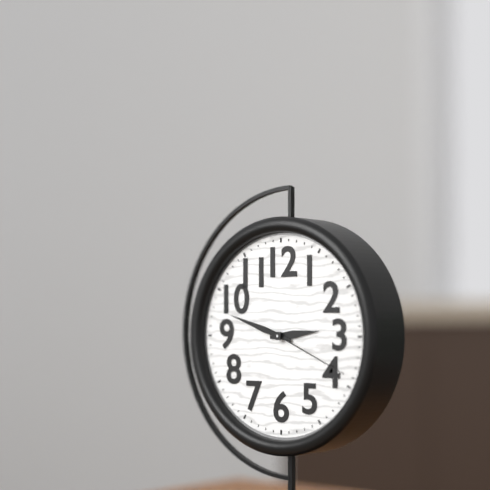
2:48:19
